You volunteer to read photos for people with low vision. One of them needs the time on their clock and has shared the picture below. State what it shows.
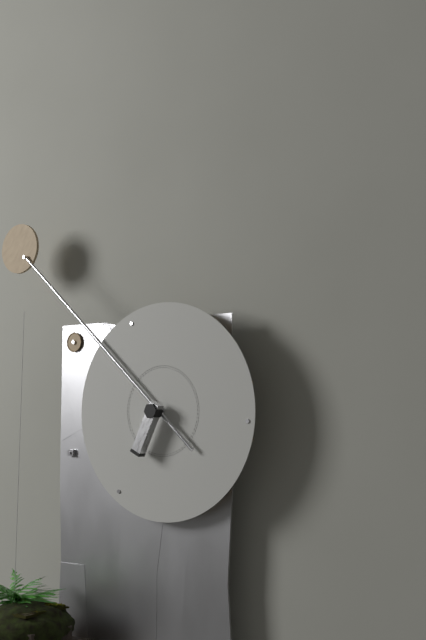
6:52
